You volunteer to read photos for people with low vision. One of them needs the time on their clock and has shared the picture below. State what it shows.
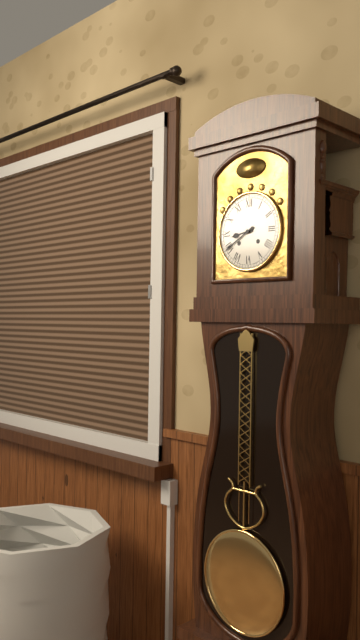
8:40
